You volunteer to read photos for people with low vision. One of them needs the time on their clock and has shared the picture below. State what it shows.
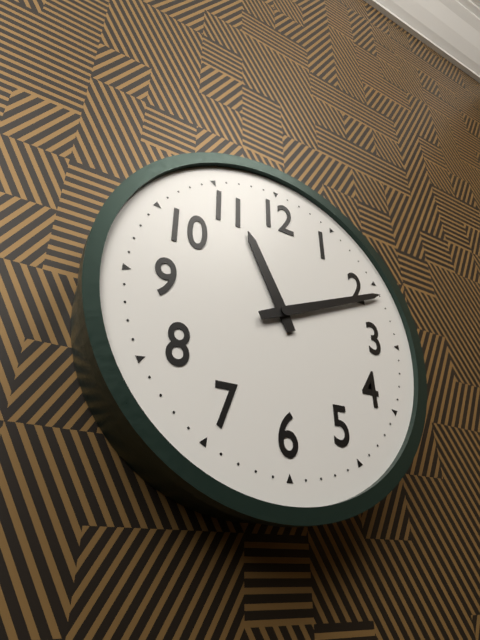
11:11
